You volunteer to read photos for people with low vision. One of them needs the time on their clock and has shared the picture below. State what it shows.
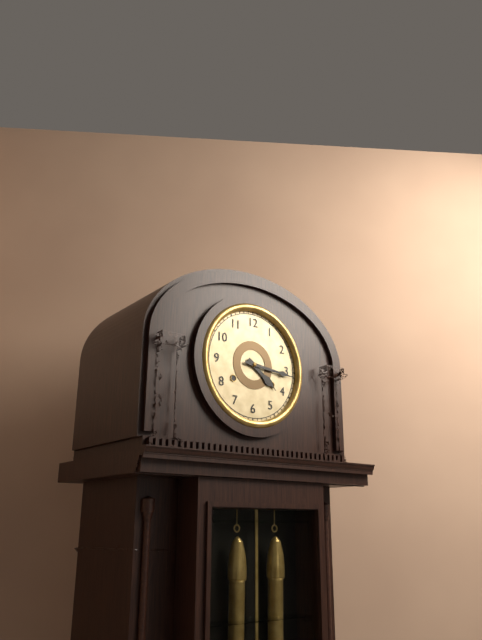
4:16
